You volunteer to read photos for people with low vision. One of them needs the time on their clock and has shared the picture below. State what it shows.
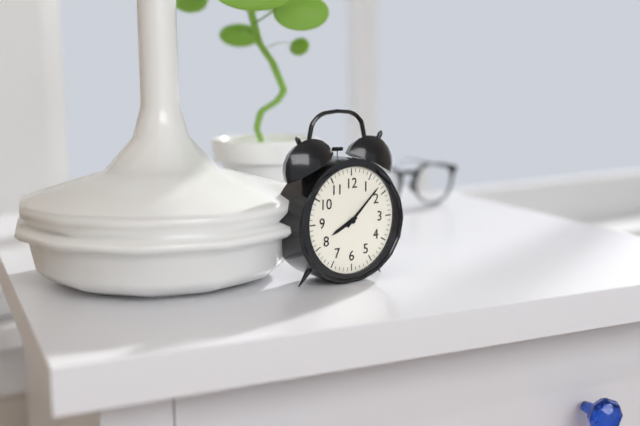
8:08
